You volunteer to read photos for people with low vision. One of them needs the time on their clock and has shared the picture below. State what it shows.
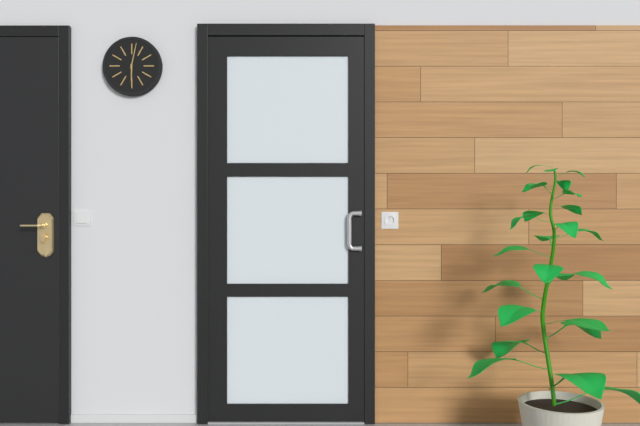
6:02
